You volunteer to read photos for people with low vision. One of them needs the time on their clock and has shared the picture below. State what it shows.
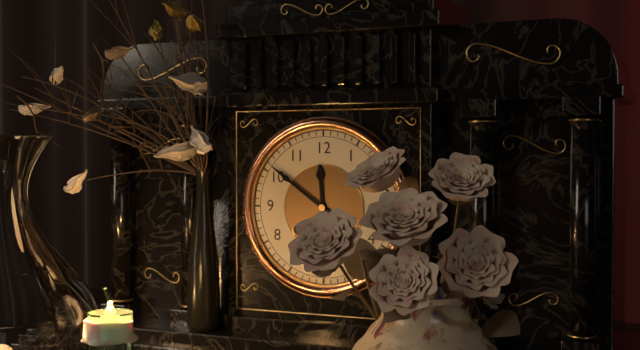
11:51
